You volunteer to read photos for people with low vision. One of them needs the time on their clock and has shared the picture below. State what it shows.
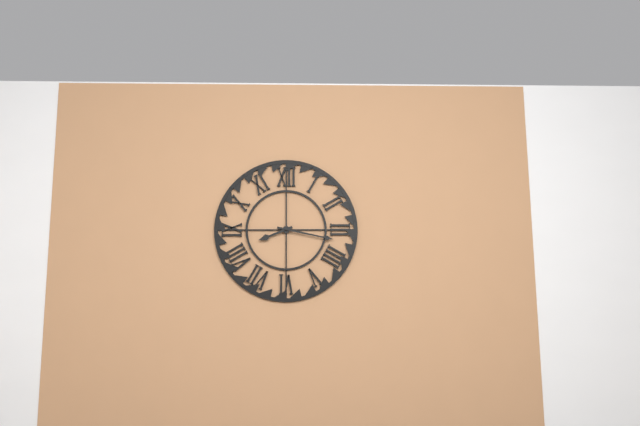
8:17
